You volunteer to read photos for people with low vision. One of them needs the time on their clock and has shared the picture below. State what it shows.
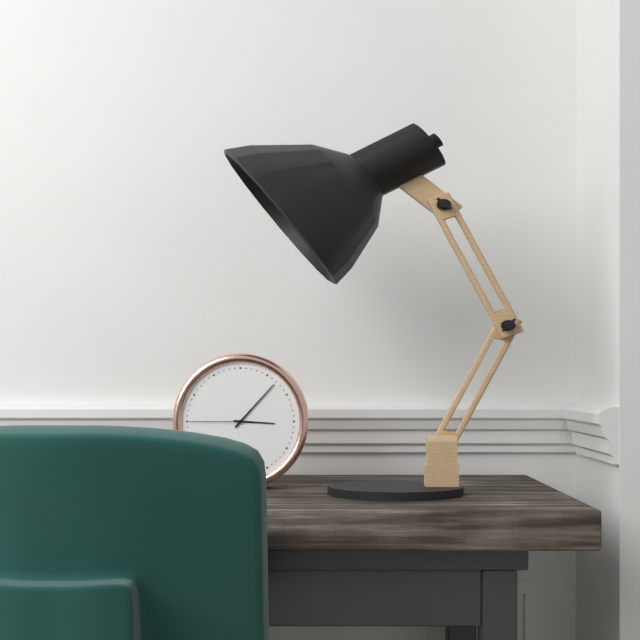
3:07:45
